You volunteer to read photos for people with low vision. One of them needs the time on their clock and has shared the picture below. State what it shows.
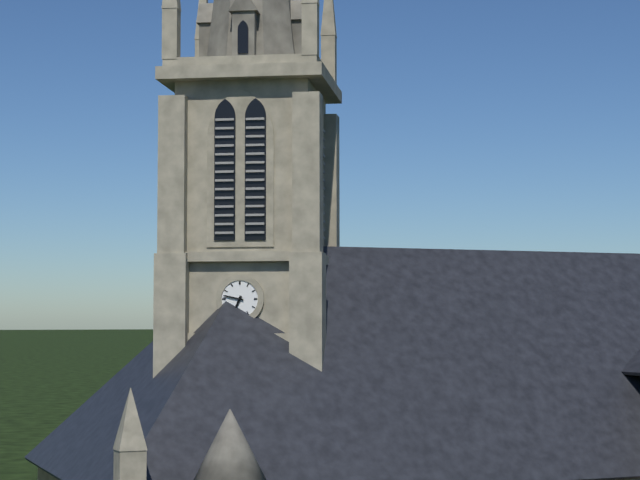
6:47
